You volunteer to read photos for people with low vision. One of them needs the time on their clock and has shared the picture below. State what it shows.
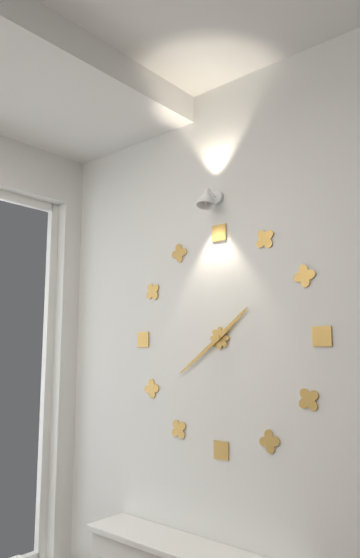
1:39
